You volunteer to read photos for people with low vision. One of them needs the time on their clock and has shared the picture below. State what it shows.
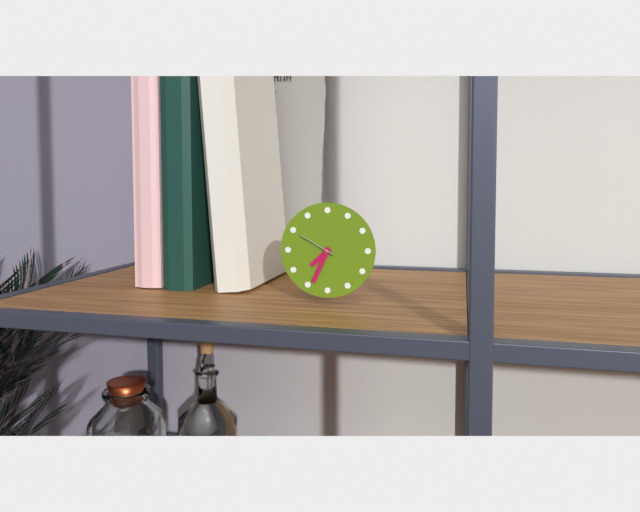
7:34
